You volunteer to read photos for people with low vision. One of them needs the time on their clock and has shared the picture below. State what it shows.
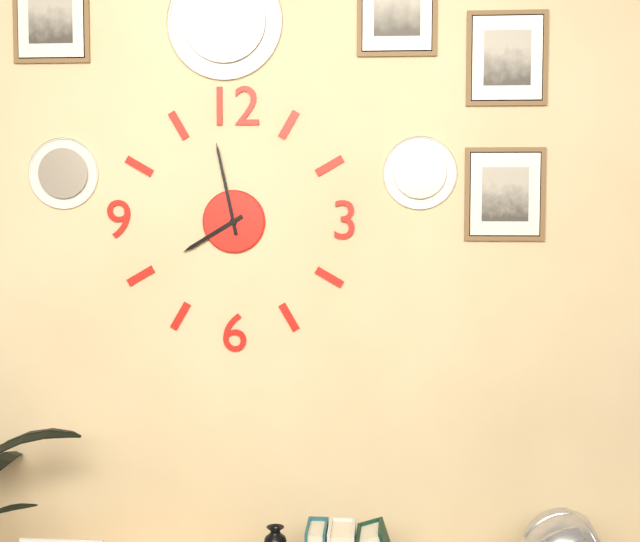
7:58
